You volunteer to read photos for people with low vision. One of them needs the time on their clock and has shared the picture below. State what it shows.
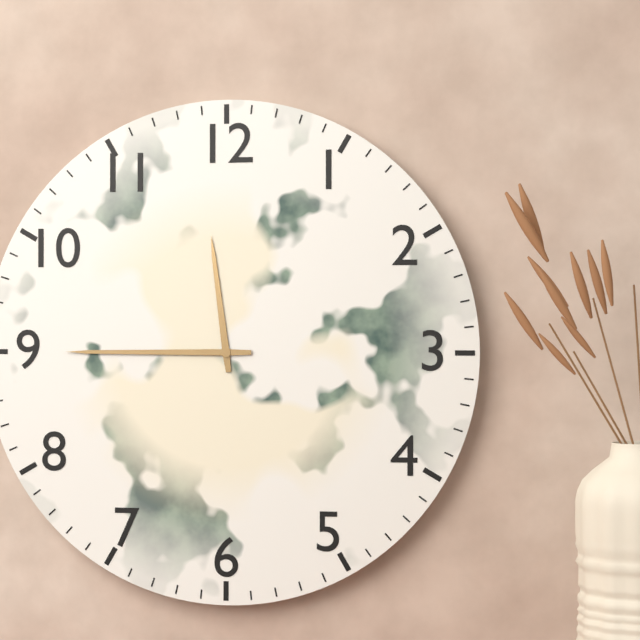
11:45
